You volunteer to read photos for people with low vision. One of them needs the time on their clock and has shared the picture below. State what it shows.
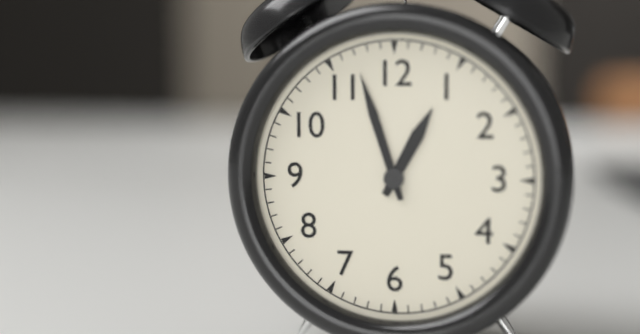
12:57
